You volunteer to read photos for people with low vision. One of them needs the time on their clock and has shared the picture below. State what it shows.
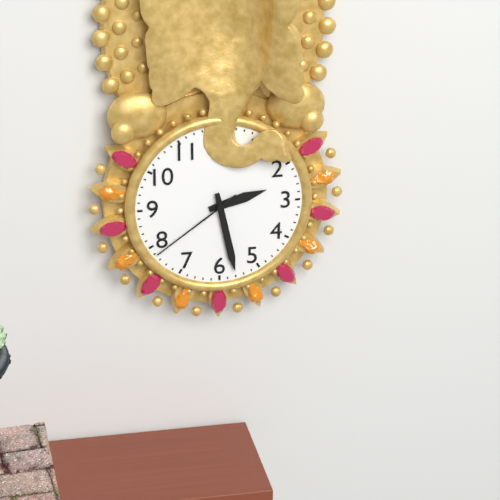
2:28:39
